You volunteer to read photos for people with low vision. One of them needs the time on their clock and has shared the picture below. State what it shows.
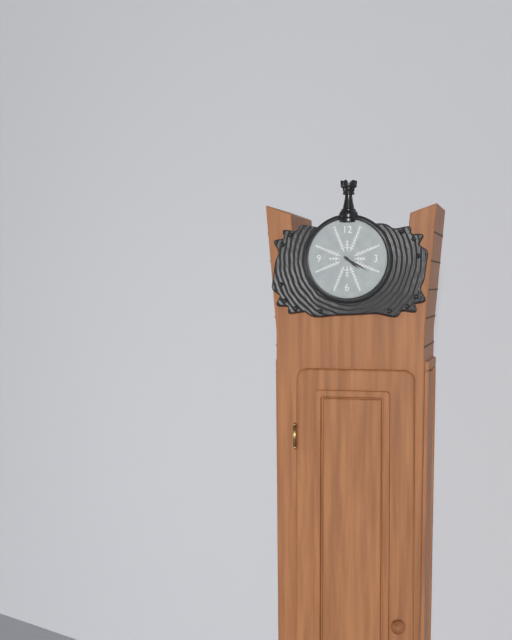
4:20
